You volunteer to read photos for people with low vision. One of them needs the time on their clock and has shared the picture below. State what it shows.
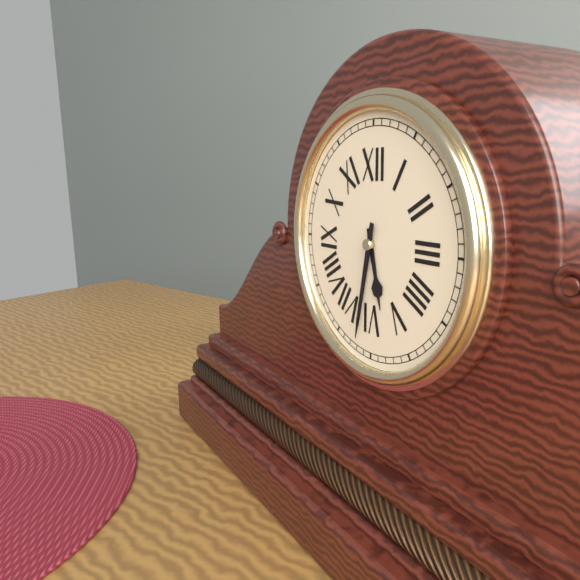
5:32
